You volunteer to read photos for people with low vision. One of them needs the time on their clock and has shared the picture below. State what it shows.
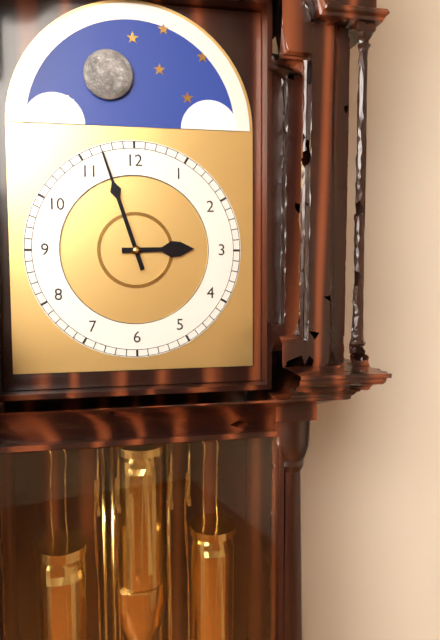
2:57
